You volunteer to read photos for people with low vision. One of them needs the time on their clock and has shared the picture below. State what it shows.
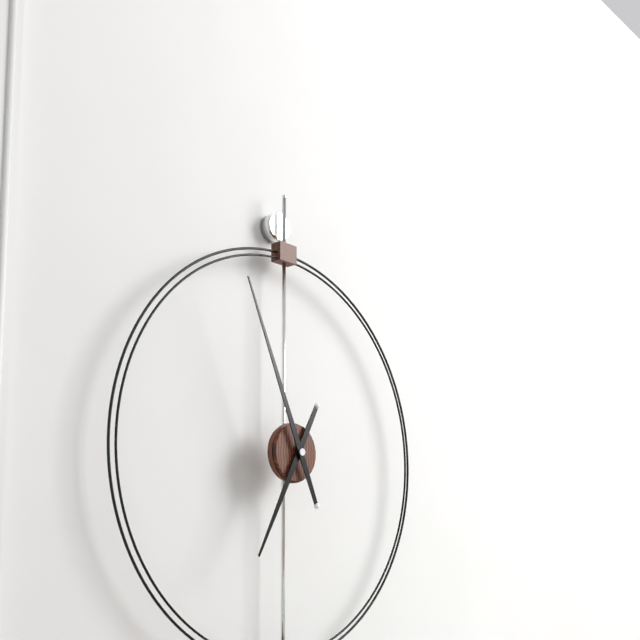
6:56
